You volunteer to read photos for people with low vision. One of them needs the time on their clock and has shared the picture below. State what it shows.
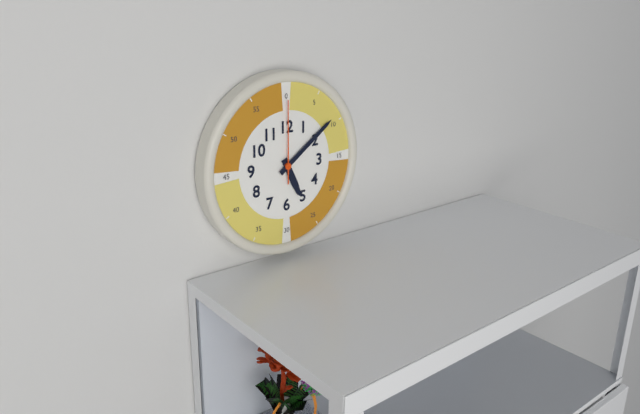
5:09:00
